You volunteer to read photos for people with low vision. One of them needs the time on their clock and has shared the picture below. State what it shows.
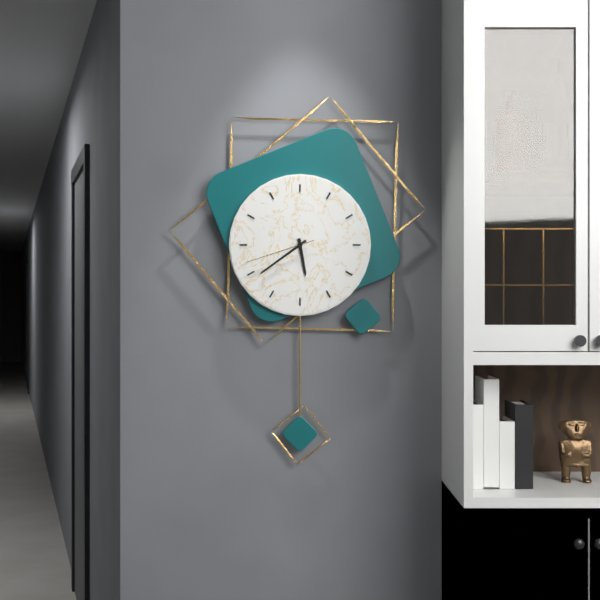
5:39:42
